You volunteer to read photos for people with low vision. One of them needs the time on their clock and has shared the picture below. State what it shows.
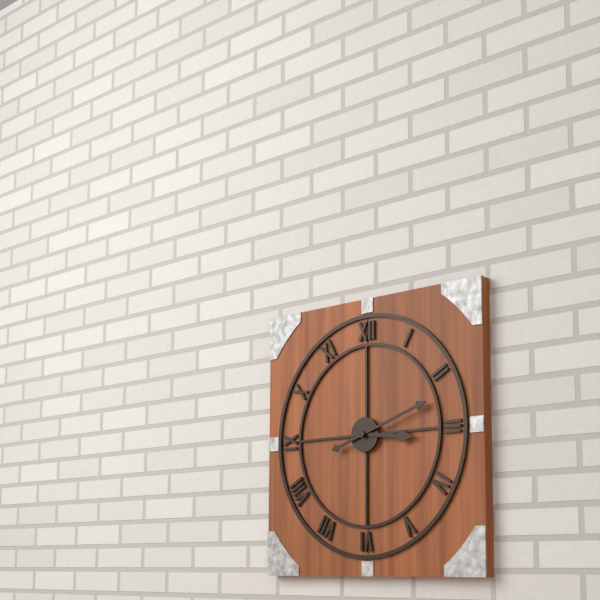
3:12
